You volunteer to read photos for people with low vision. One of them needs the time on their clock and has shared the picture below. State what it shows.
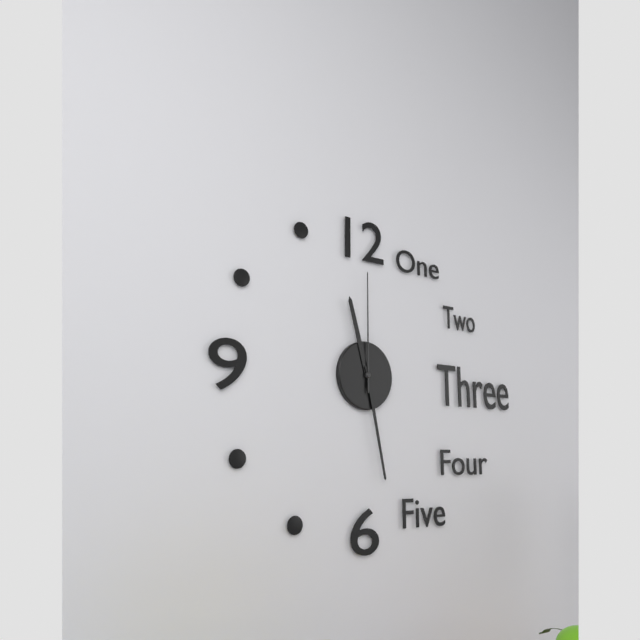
11:28:00
